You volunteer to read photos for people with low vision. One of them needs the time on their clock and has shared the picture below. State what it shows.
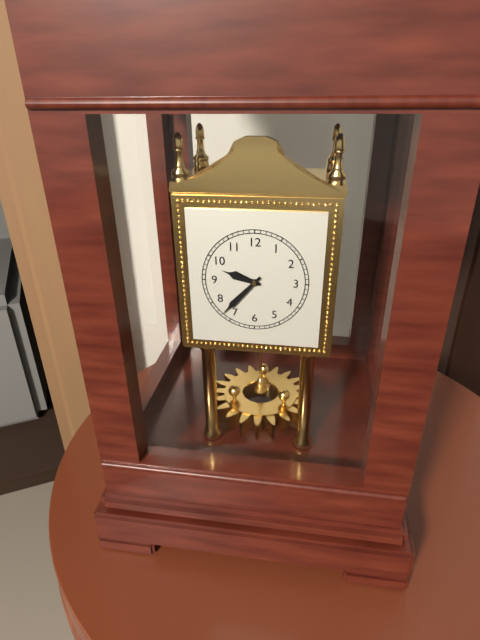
9:37
